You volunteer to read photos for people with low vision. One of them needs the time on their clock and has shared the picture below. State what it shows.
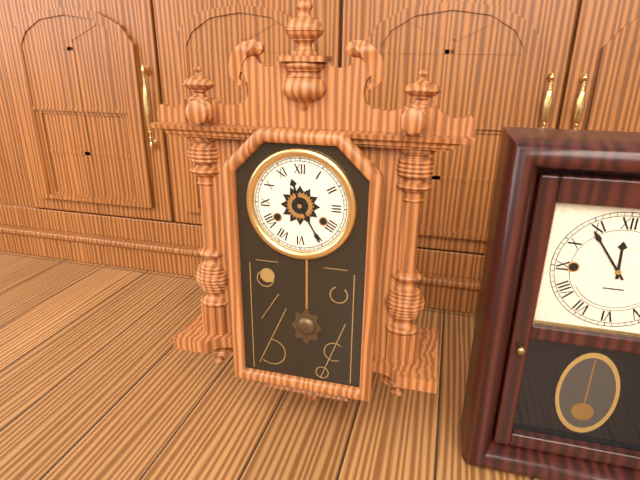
11:25
